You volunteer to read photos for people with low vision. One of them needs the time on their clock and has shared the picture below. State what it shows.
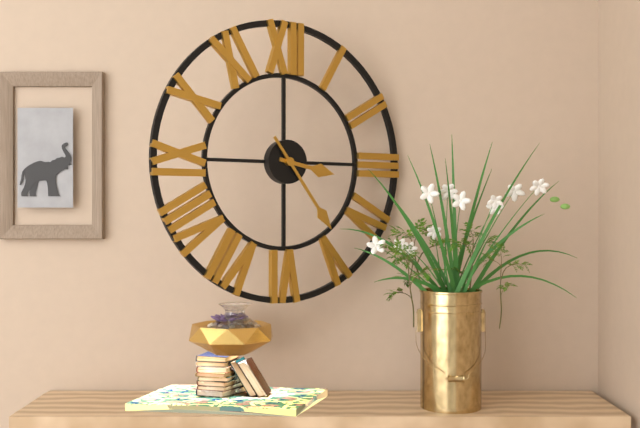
3:24
